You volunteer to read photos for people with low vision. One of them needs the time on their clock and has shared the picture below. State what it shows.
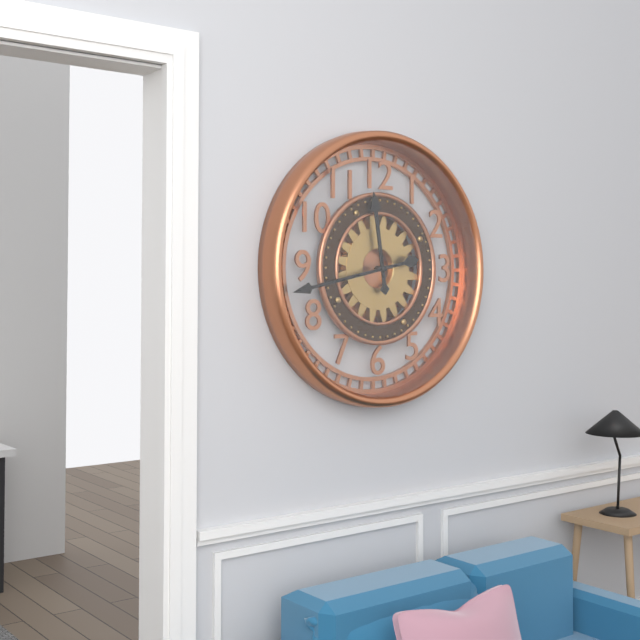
11:43
